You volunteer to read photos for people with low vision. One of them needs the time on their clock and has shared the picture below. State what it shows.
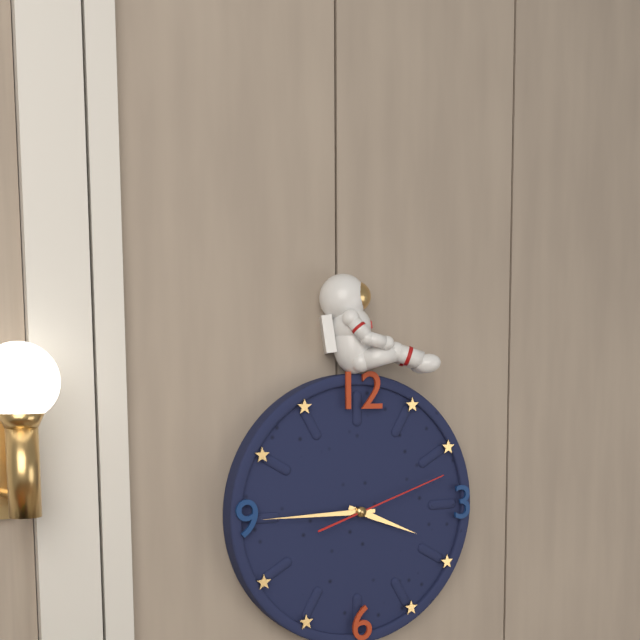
3:45:12
